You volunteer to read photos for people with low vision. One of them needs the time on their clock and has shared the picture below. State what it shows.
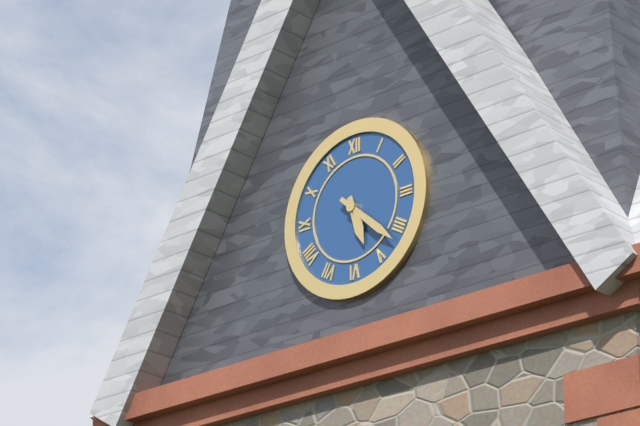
5:22
